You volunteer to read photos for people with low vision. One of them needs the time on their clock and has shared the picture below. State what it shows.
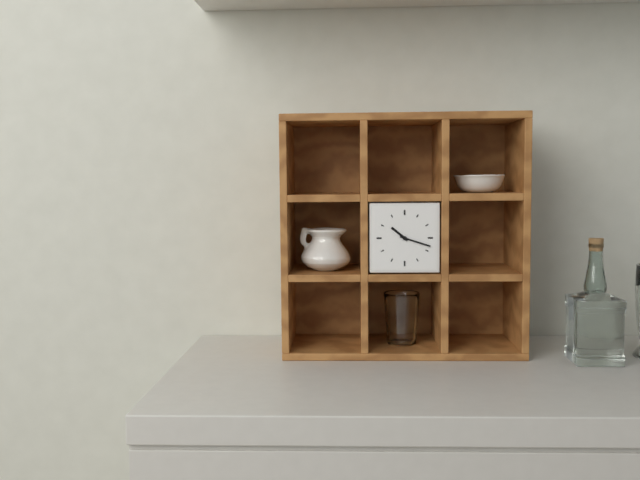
10:18
